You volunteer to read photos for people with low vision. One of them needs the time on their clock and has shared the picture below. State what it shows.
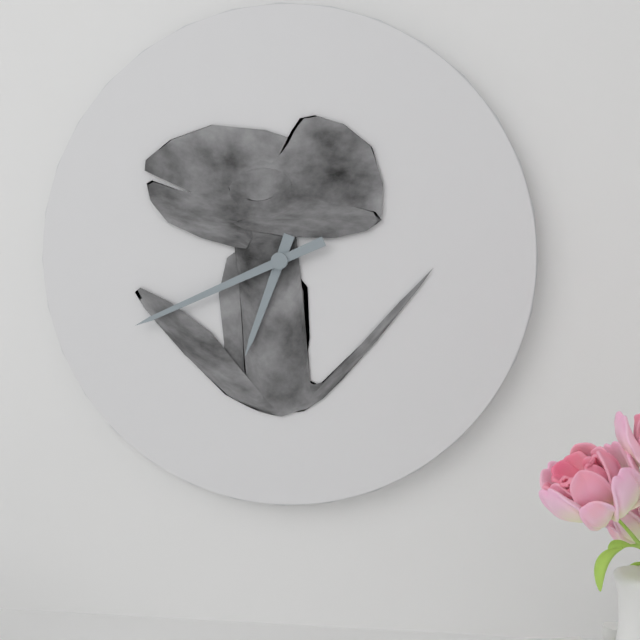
6:41
